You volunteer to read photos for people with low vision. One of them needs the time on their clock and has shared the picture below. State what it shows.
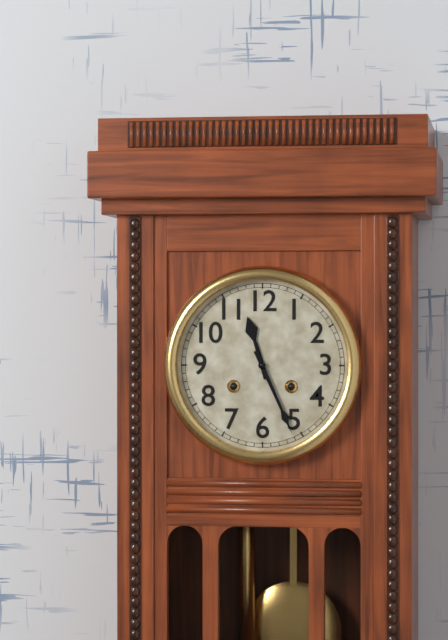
11:26
